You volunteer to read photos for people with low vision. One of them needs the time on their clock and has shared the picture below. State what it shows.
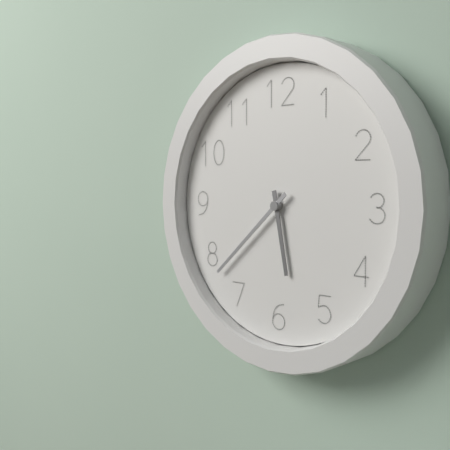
5:38
